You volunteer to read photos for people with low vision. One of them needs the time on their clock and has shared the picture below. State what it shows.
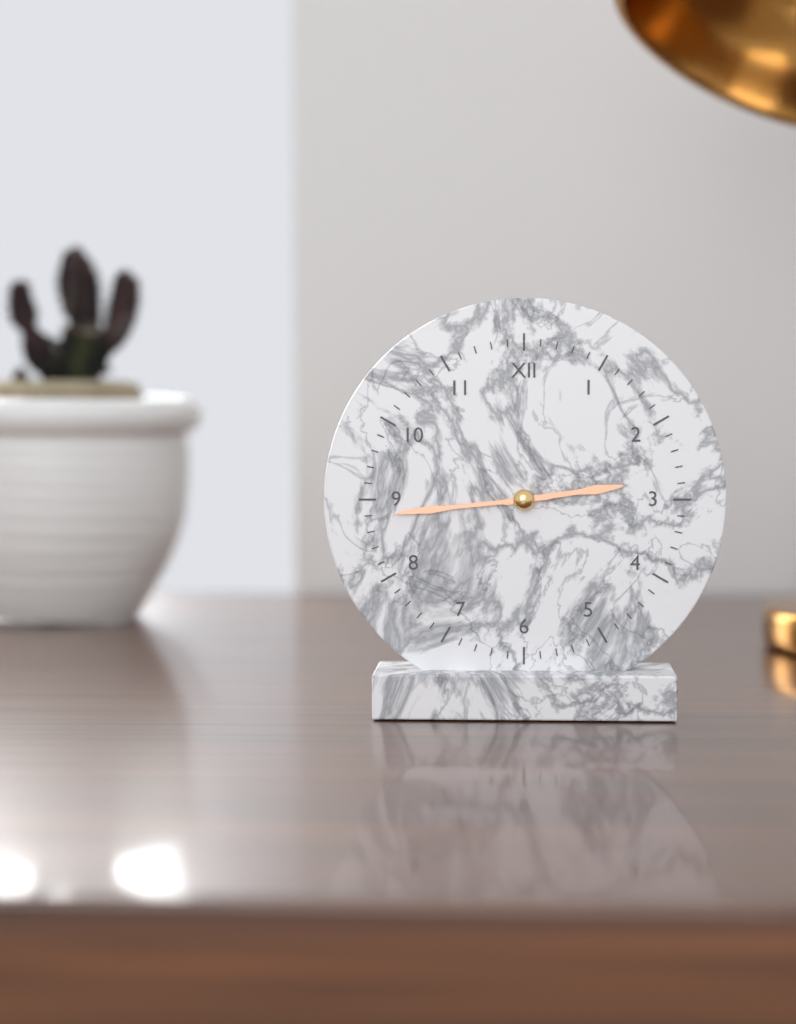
2:44
